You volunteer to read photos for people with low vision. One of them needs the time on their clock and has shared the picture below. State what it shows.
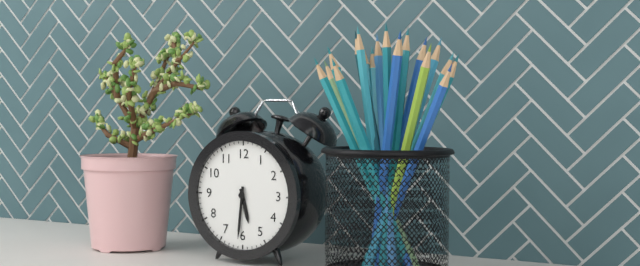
5:31
